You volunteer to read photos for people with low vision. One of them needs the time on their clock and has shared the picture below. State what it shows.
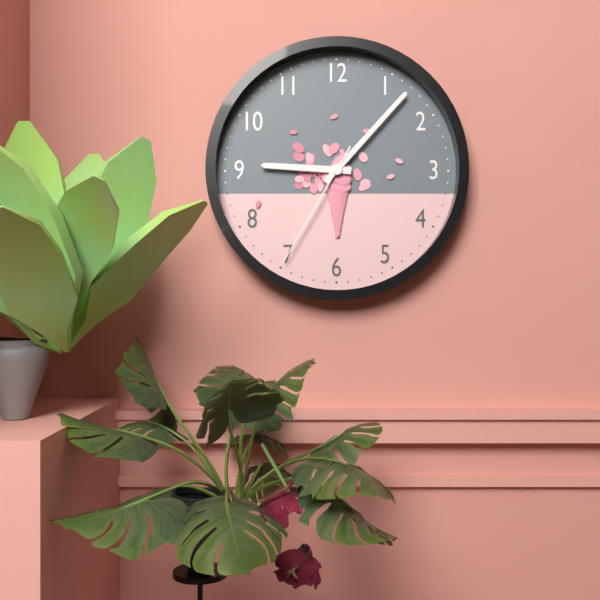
9:07:35
